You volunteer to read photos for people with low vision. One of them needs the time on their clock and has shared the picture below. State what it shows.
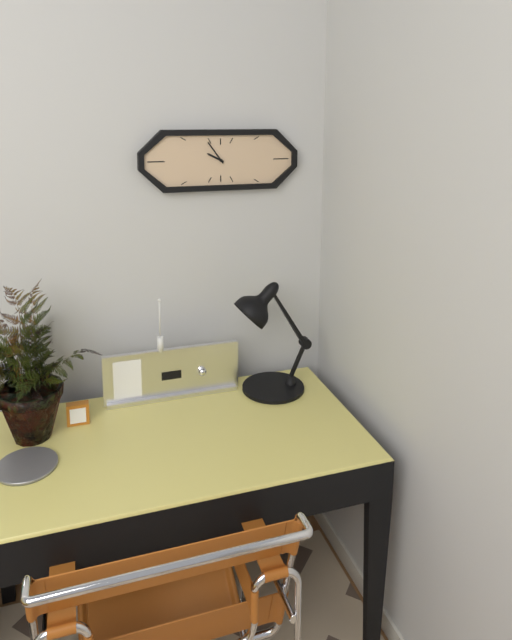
9:54
